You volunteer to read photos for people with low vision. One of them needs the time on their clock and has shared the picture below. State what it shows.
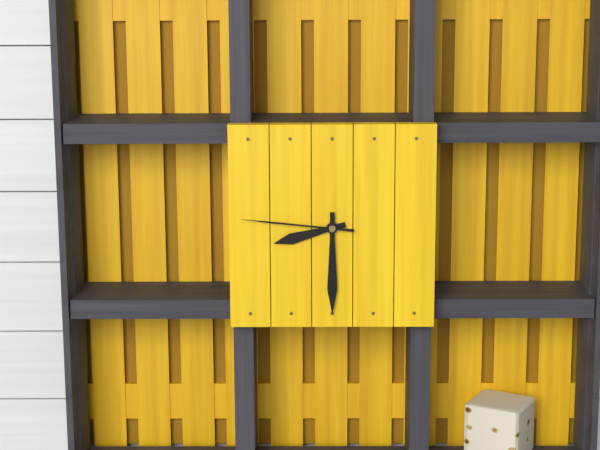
8:30:46
